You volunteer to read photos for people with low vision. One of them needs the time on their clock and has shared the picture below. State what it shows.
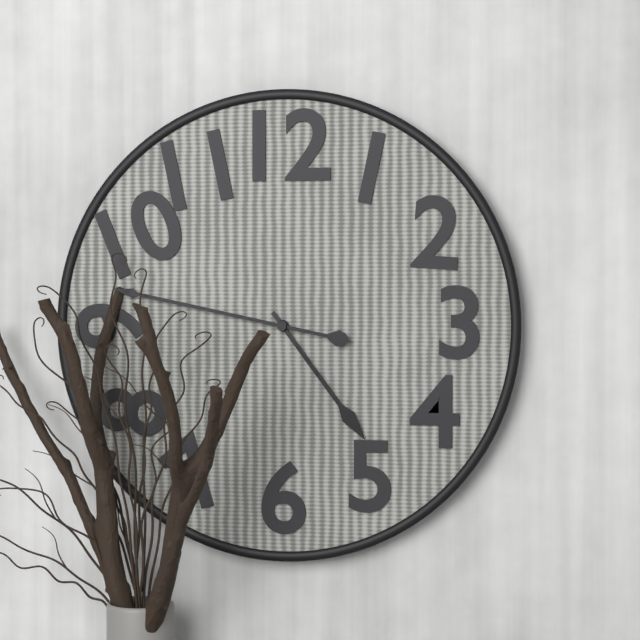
4:47
